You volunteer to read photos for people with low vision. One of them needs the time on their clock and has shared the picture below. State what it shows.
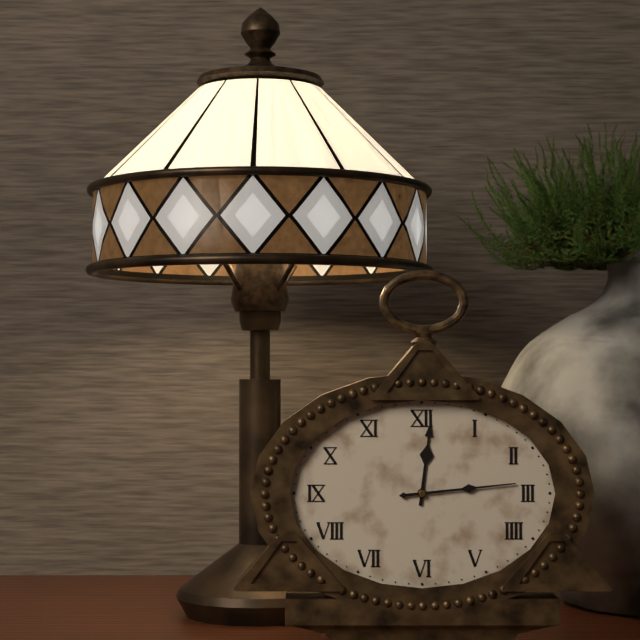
12:14
